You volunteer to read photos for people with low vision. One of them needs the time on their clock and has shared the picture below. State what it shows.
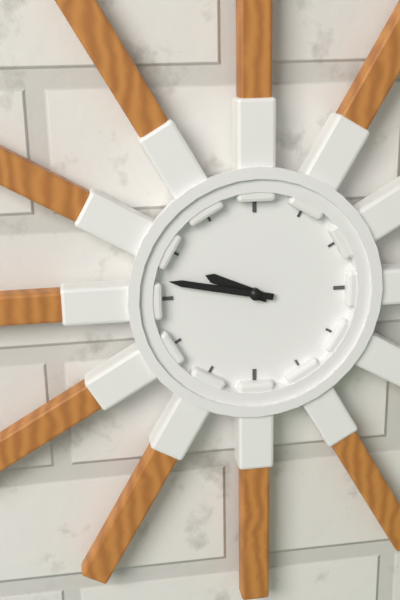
9:47
